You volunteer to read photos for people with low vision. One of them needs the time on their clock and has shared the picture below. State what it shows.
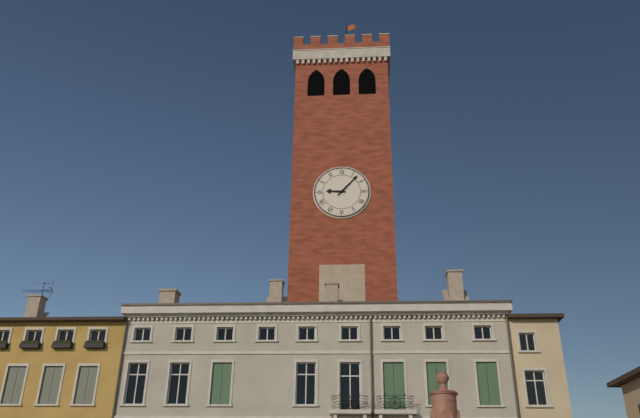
9:07
